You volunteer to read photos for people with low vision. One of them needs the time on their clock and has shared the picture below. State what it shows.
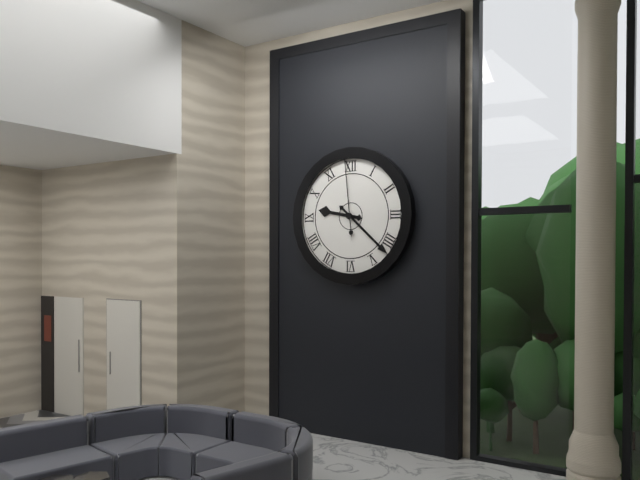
9:22:59
